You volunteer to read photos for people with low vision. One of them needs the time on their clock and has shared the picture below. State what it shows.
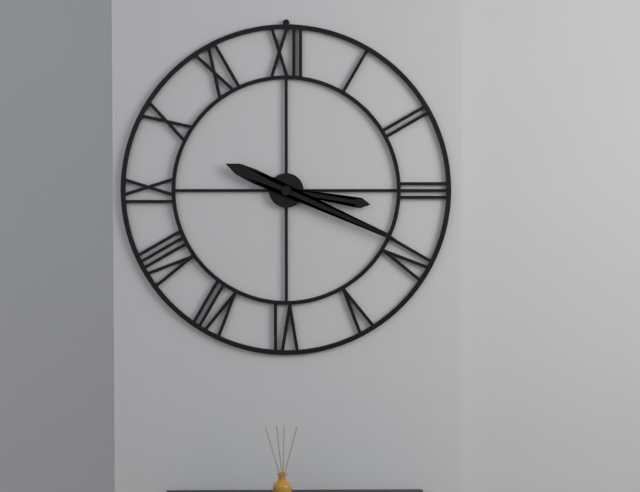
3:19
